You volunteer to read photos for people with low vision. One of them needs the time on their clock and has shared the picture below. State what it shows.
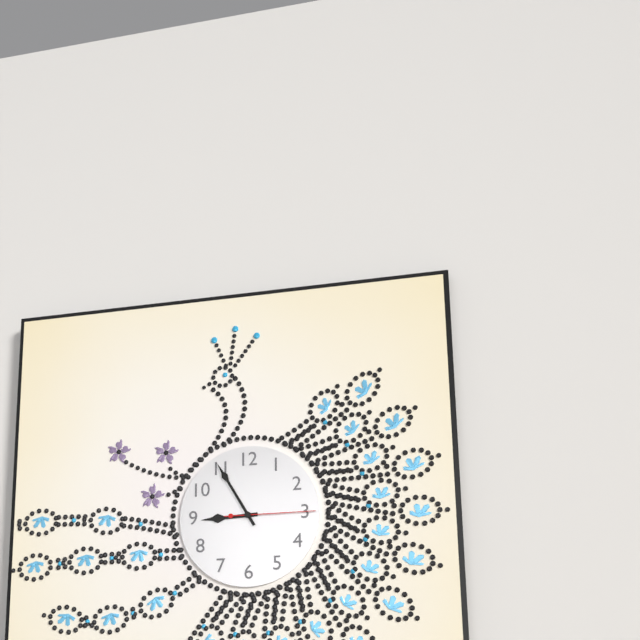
8:55:15
